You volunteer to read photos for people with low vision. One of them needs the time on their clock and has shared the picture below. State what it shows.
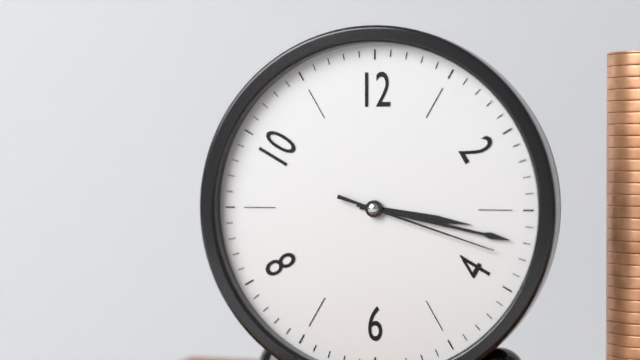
3:17:18
